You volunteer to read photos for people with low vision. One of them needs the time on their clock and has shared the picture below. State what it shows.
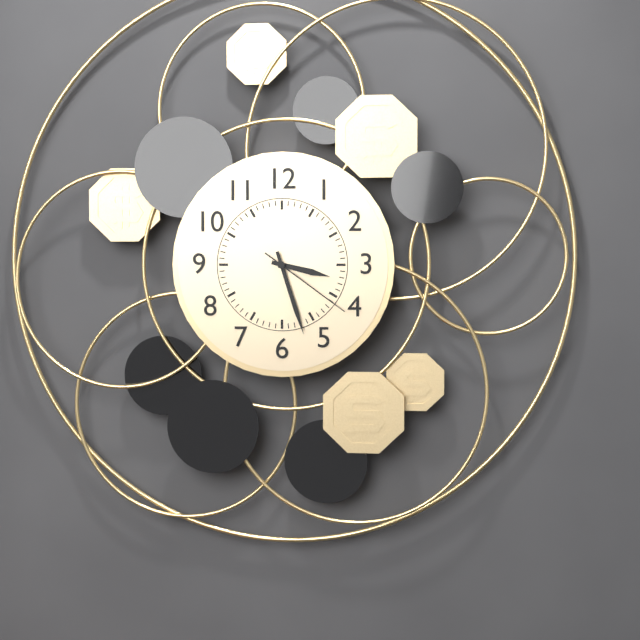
3:27:21
